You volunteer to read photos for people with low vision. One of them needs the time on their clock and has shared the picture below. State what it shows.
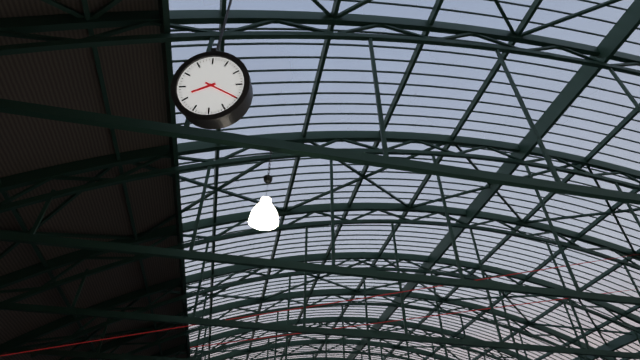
8:20
